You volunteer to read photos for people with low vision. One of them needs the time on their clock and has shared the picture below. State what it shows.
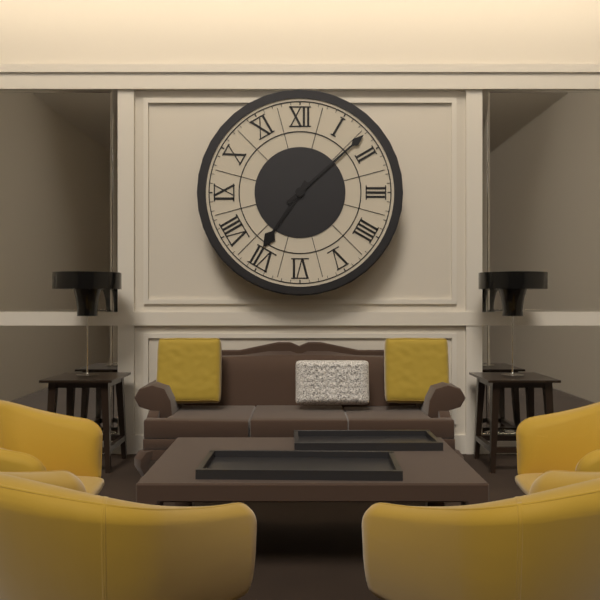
7:08
